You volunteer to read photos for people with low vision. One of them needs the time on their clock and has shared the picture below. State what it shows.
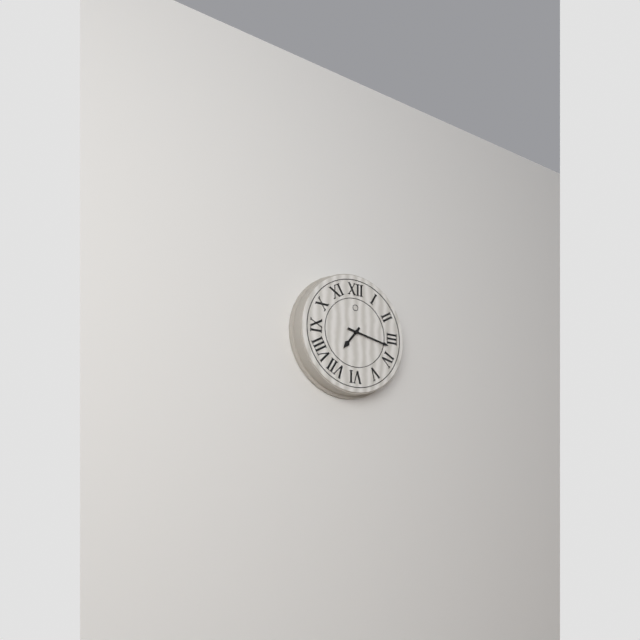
7:17
